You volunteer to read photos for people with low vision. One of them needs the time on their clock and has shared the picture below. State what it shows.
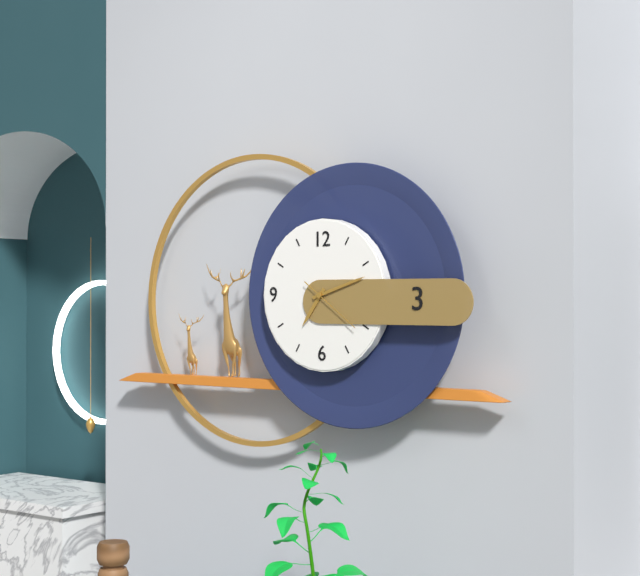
7:12:21
